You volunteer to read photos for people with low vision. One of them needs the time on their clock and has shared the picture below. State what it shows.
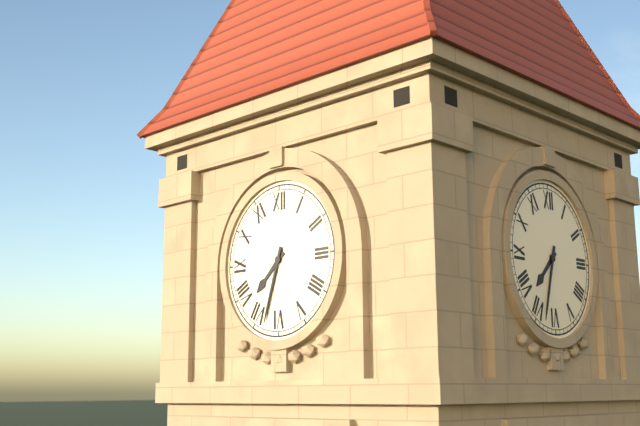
7:33
